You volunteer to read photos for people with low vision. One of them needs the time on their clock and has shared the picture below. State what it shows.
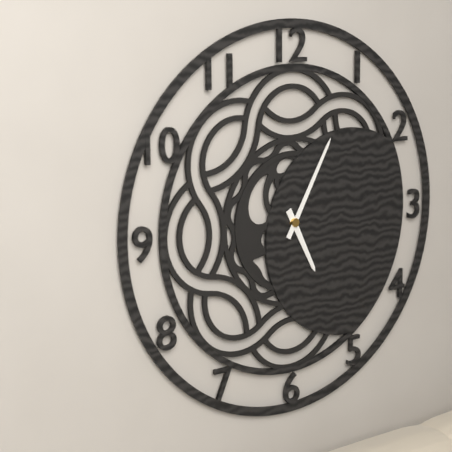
5:05
